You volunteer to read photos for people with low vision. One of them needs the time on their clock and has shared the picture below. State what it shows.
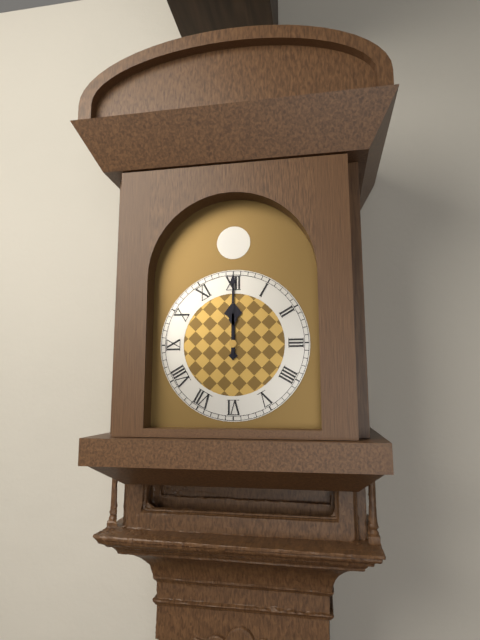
12:00
